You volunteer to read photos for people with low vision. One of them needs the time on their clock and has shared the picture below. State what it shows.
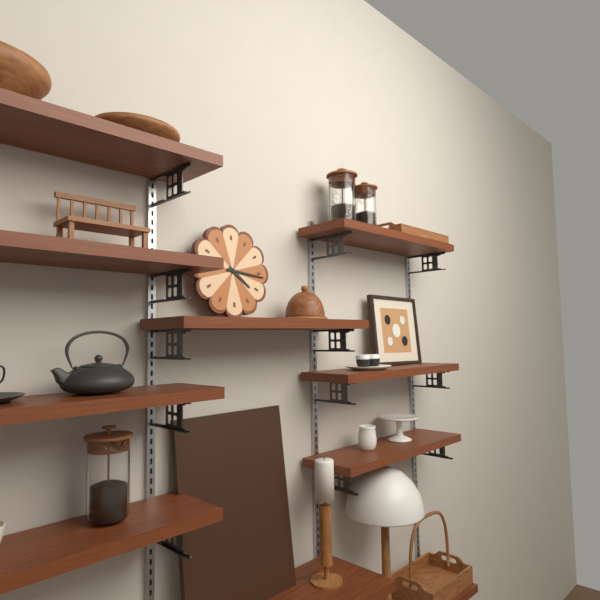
4:16
